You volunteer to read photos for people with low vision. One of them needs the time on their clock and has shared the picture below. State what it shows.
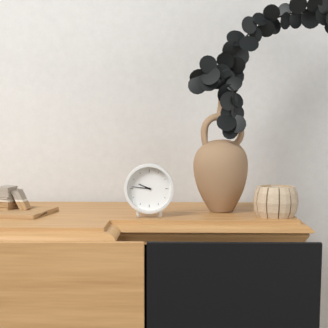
9:46
